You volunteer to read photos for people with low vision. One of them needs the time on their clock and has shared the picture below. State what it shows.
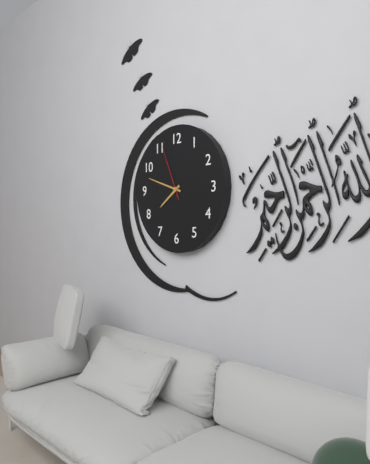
7:48:56
